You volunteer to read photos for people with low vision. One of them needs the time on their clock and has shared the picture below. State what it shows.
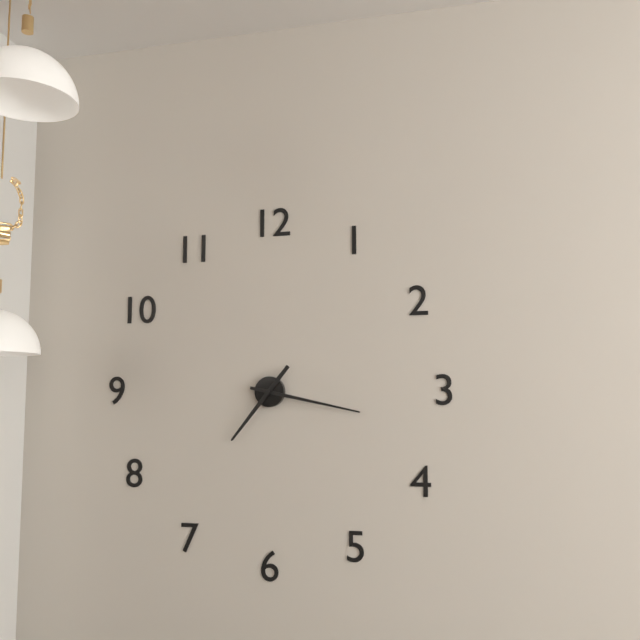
7:17
